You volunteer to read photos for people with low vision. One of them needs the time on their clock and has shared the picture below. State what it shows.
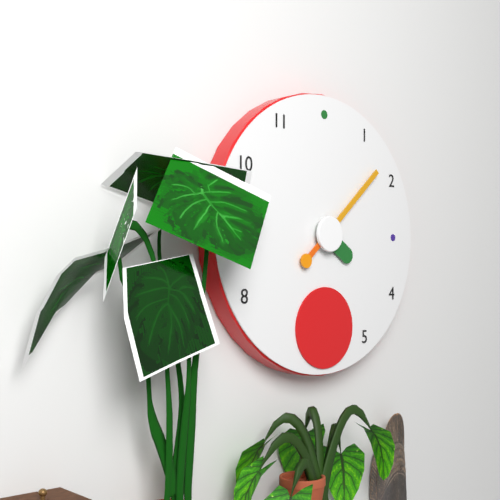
4:08
